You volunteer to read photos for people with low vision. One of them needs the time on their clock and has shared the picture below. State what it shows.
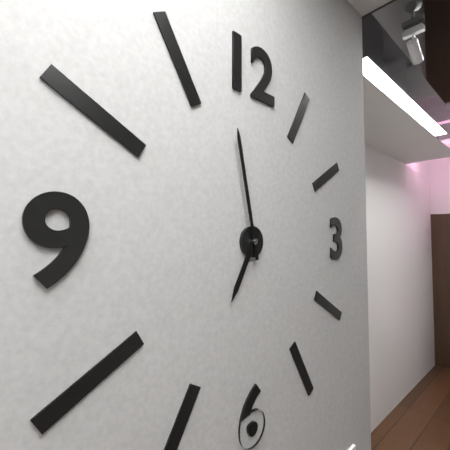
6:58
